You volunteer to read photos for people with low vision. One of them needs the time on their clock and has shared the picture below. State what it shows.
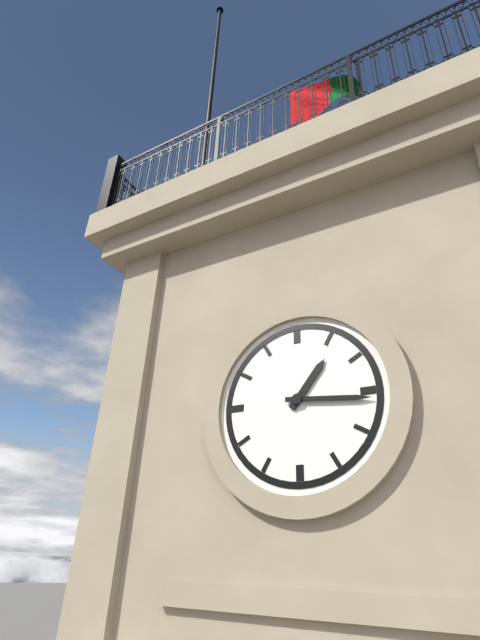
1:16
